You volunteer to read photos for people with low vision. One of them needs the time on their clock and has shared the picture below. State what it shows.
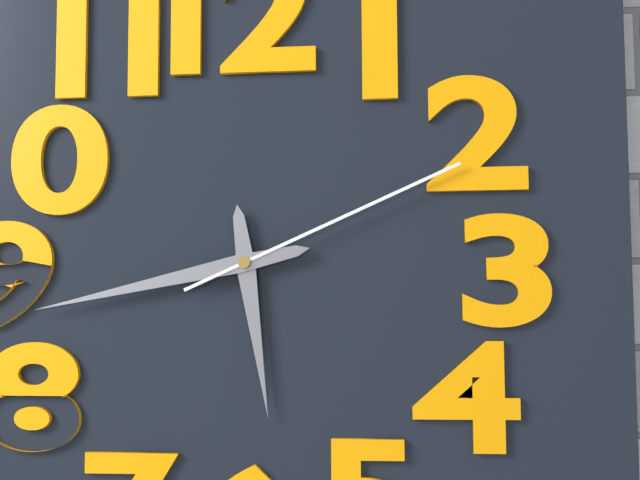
5:43:11
